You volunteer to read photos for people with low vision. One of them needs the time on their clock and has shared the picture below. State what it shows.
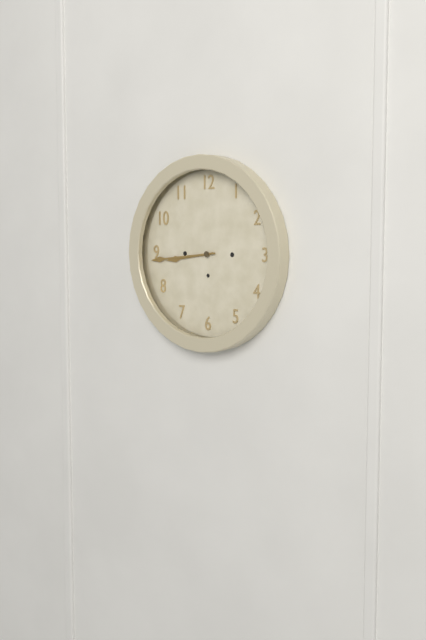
8:44
